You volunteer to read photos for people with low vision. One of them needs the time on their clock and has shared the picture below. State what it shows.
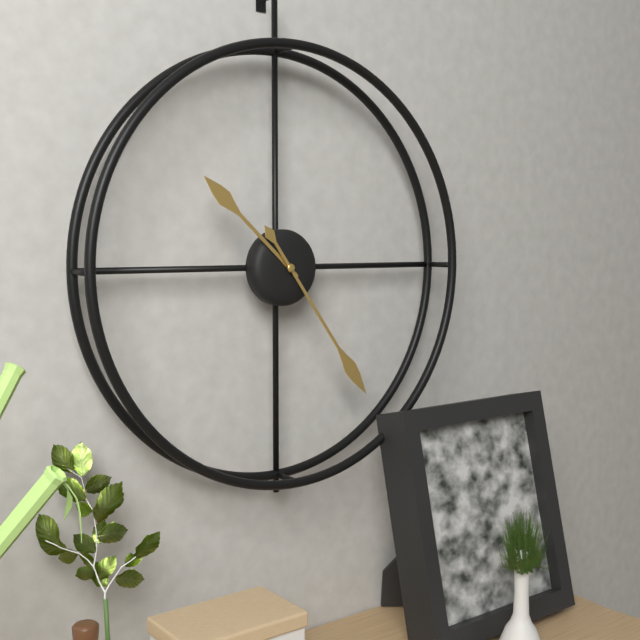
10:24
